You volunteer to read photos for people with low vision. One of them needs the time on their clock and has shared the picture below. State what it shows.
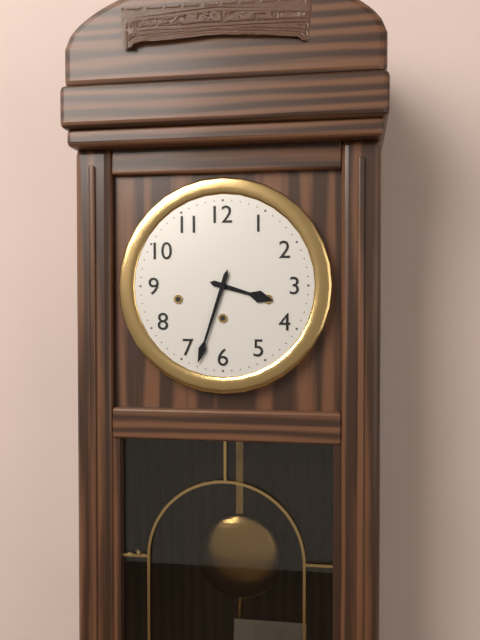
3:33
